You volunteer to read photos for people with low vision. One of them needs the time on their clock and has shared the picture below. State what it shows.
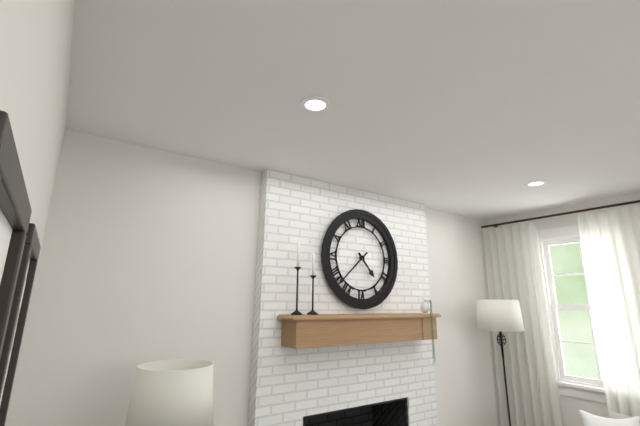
4:38
